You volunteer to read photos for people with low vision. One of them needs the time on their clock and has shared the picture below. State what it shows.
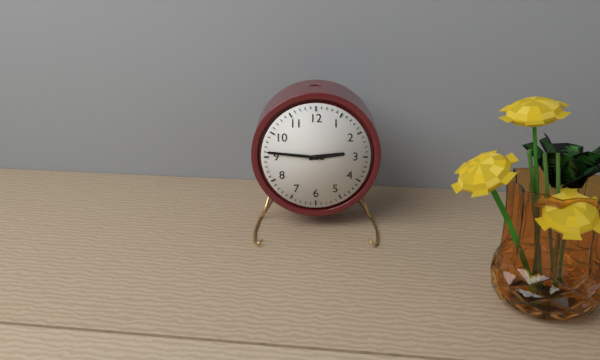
2:46
